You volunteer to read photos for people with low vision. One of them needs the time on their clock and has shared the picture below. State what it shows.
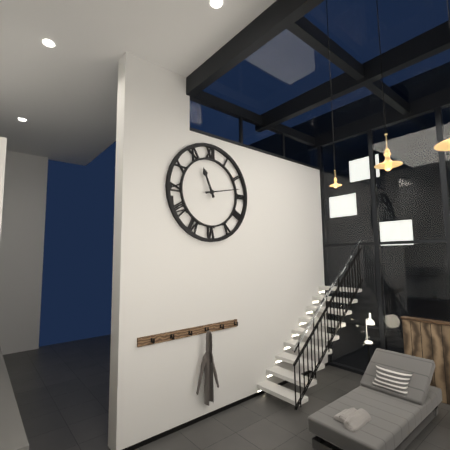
11:13
